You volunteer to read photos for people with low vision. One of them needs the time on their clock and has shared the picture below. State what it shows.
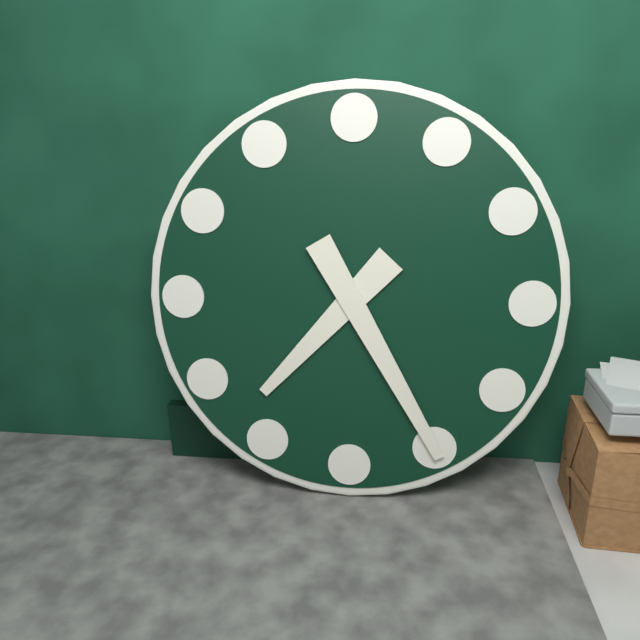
7:25
